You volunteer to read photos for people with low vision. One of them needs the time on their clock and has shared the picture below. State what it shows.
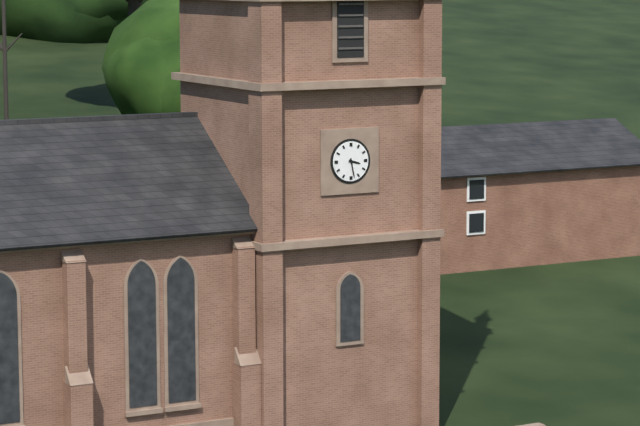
3:28
